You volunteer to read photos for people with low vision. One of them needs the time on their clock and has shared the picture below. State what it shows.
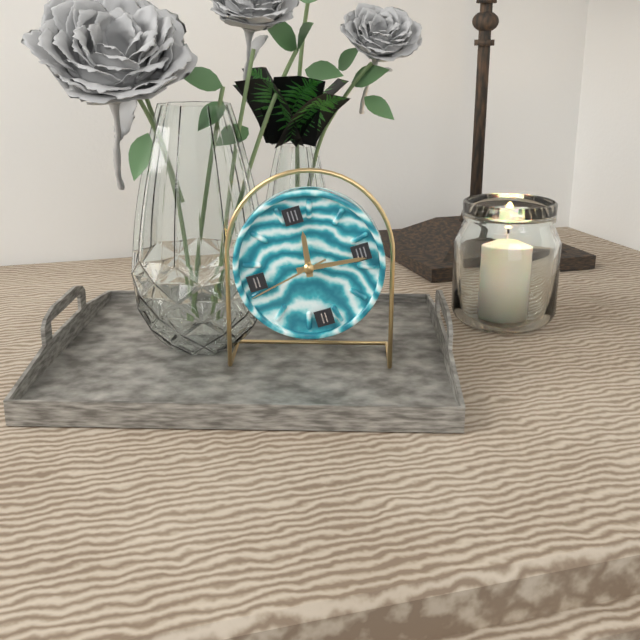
12:16:43
